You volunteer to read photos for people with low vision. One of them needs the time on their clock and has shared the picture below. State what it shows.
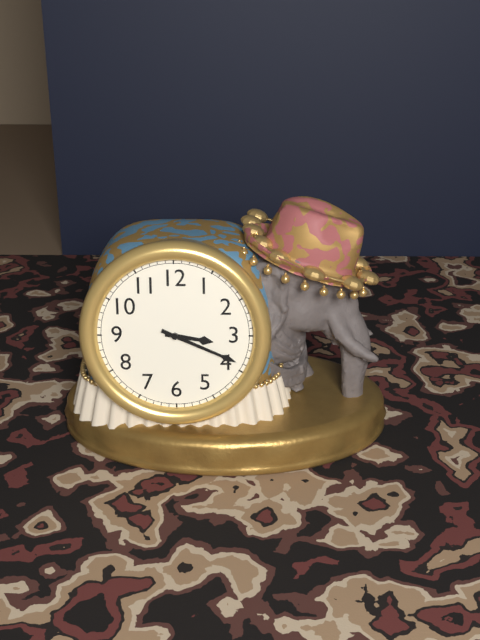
3:19
